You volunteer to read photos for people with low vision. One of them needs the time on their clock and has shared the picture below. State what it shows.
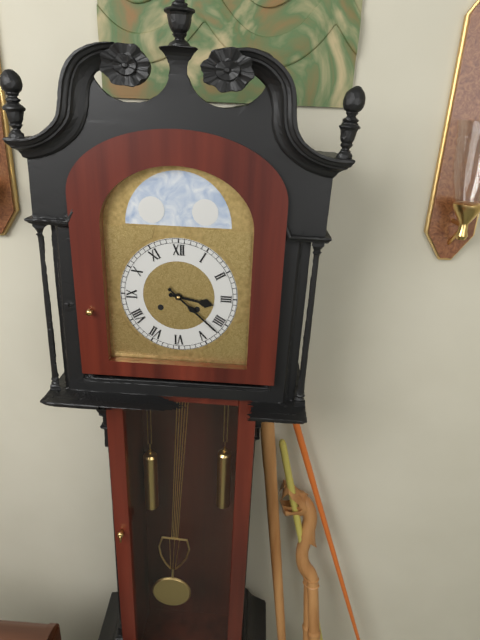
3:22
